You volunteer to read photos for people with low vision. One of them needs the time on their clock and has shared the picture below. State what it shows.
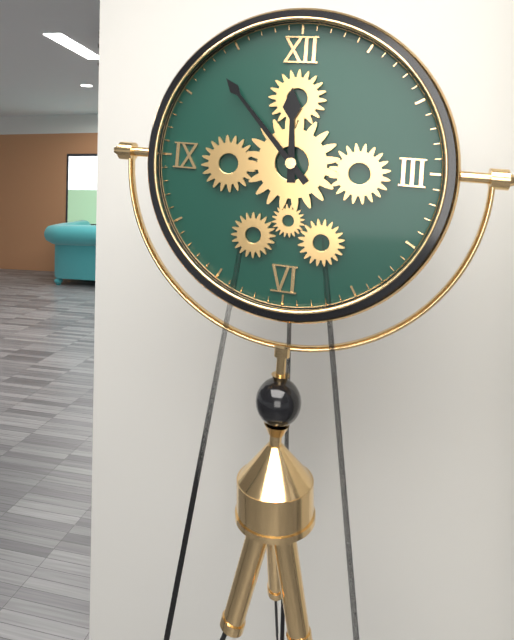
11:53
